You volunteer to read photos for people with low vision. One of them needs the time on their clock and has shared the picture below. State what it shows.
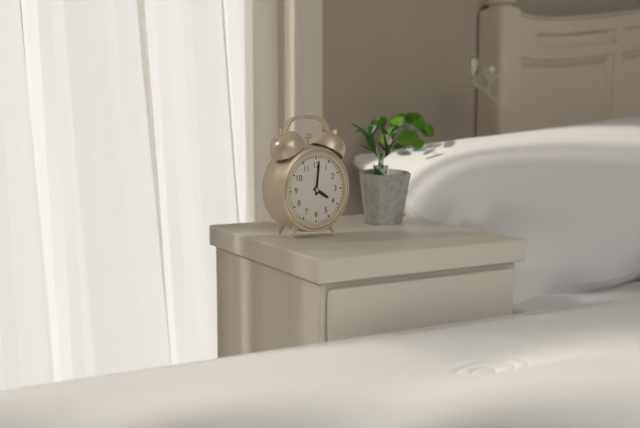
4:01
